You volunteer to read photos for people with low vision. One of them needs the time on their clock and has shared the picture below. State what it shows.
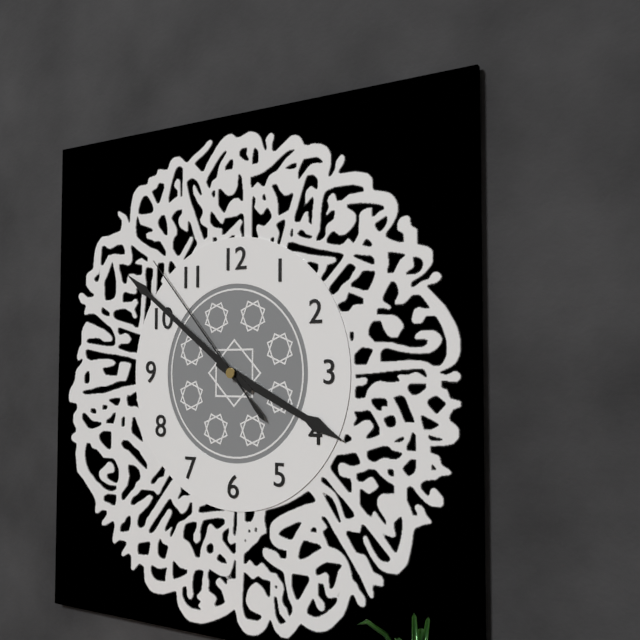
3:51:53
